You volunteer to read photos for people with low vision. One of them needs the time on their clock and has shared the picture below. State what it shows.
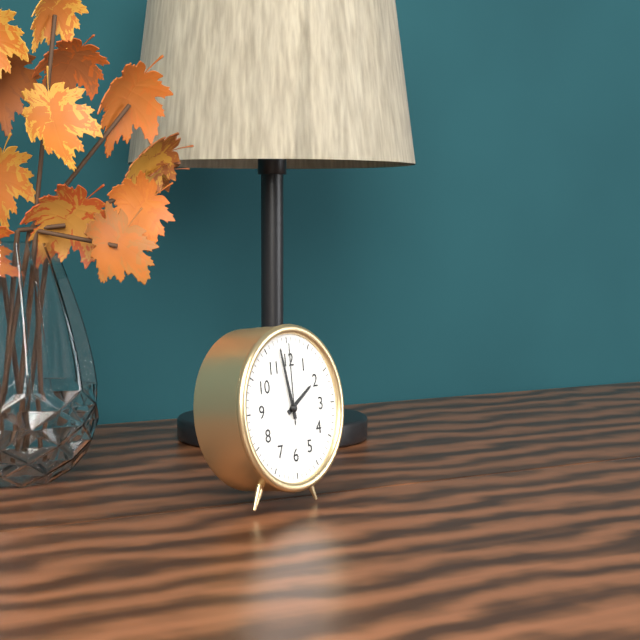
1:58:00
